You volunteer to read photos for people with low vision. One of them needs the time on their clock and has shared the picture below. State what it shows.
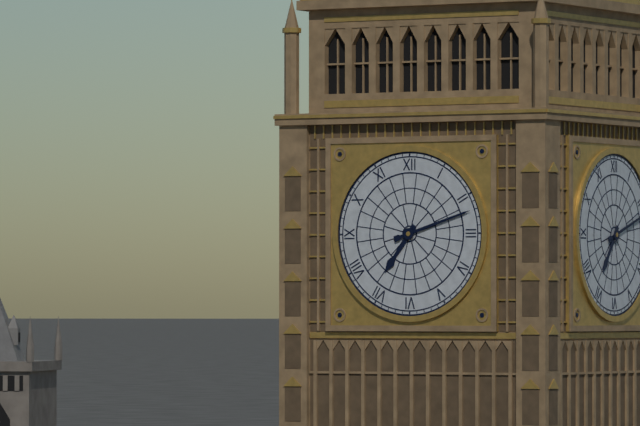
7:12
